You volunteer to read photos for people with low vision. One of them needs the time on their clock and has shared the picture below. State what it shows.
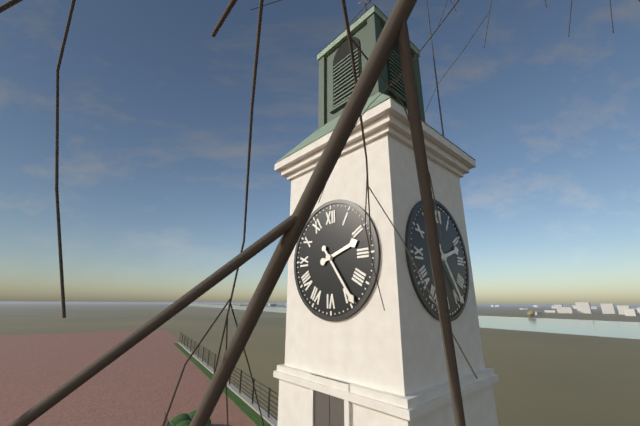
2:24
